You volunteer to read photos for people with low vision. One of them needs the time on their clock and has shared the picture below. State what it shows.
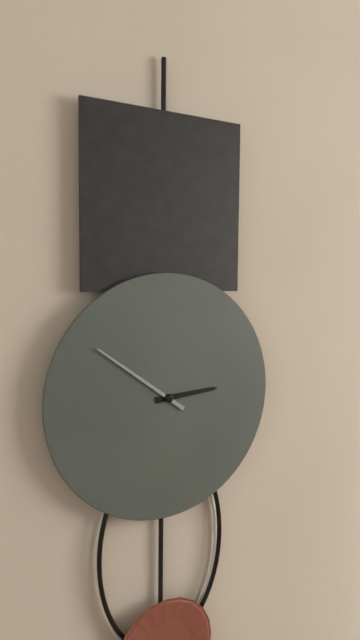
2:51
